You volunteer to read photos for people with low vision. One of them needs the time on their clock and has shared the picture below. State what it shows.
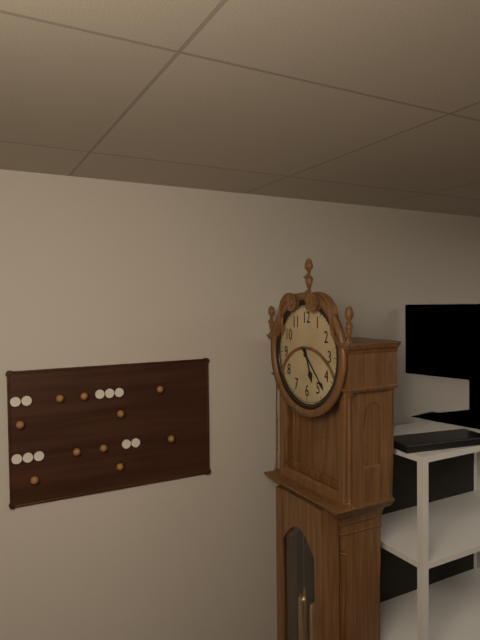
5:23
